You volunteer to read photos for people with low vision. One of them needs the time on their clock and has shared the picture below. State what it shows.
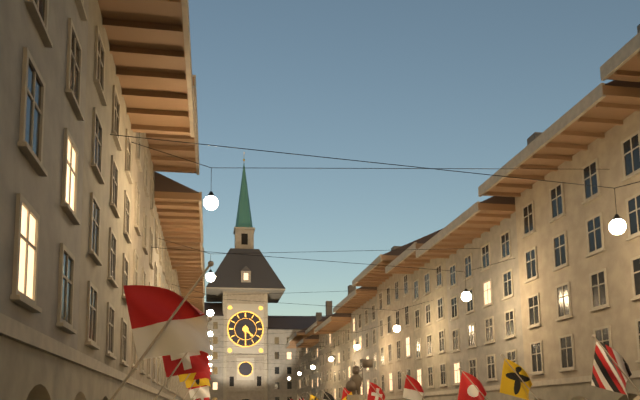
4:30
